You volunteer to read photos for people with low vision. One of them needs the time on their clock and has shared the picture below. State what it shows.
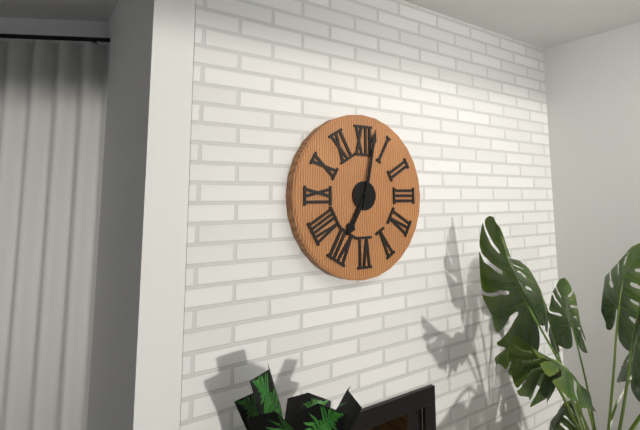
7:02
